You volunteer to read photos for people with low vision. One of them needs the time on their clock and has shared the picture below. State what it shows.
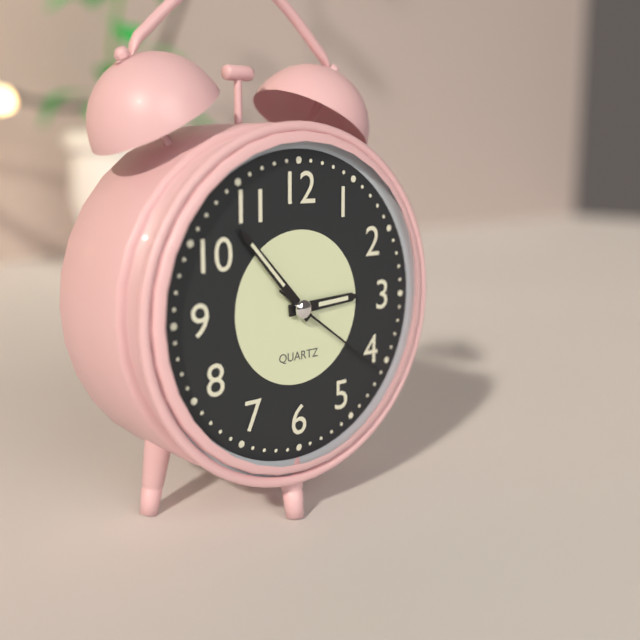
2:53:21
